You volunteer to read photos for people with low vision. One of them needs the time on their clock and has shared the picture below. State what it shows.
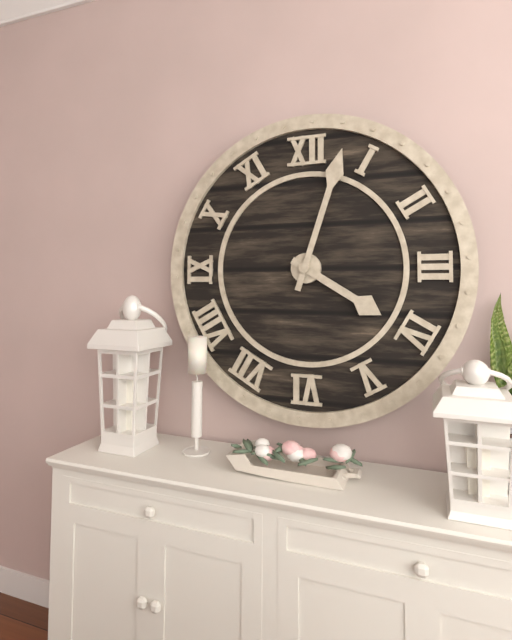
4:03
